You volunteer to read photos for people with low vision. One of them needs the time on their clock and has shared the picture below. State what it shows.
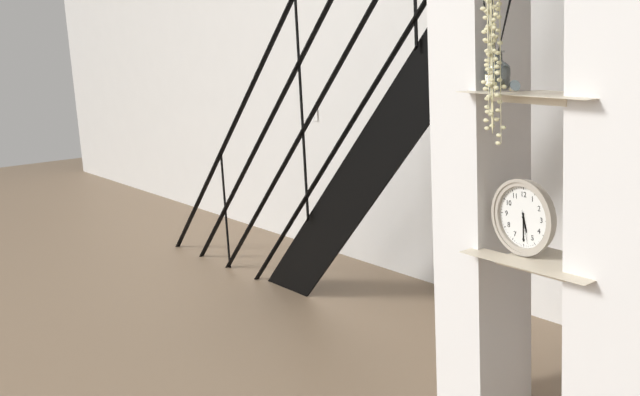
5:30
